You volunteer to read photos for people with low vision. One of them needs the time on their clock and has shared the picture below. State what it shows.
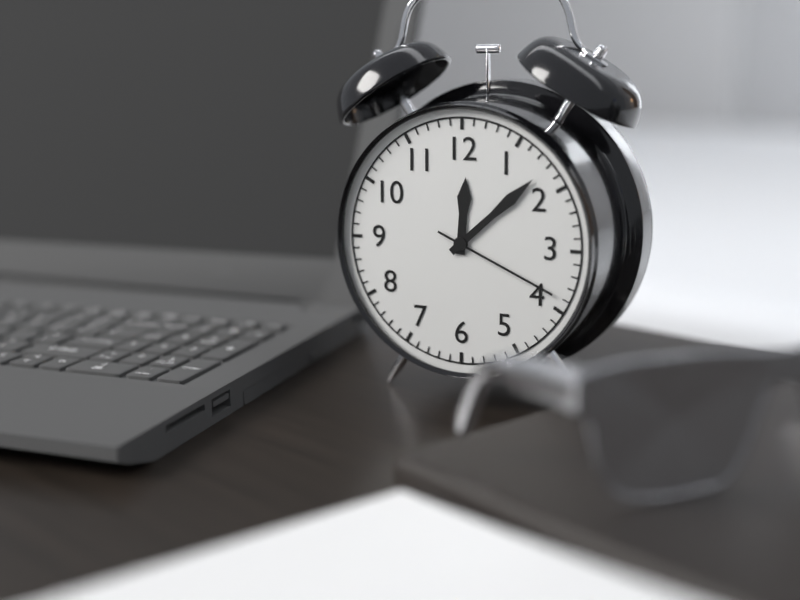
12:08:19
